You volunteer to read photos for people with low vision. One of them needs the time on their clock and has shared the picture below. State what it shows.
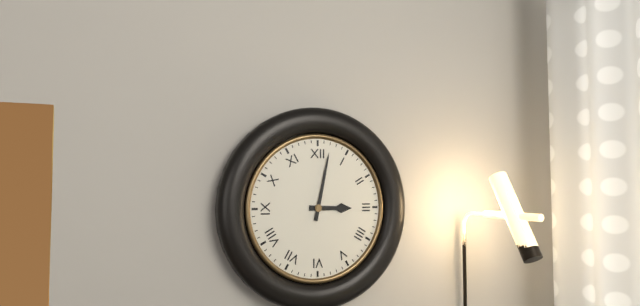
3:02
